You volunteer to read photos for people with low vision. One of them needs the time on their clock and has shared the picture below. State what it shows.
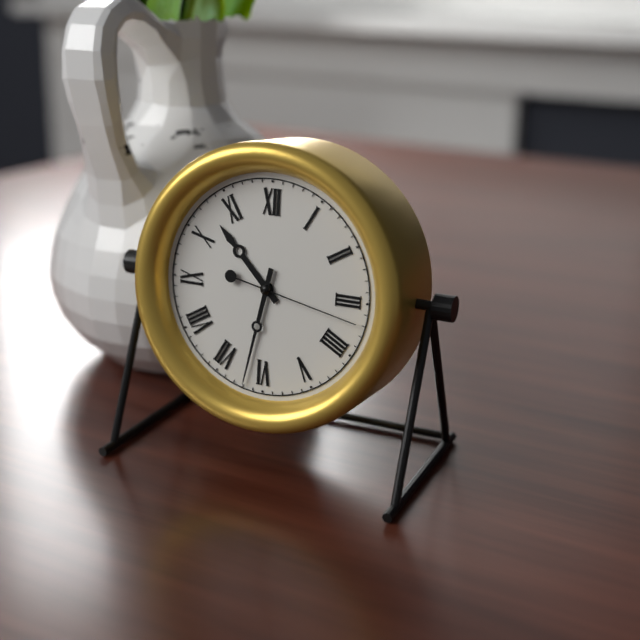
10:32:17
